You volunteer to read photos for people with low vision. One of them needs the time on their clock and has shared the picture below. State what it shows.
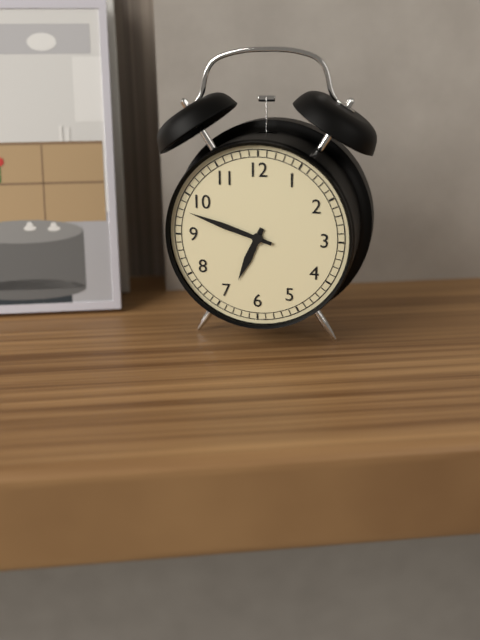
6:48
